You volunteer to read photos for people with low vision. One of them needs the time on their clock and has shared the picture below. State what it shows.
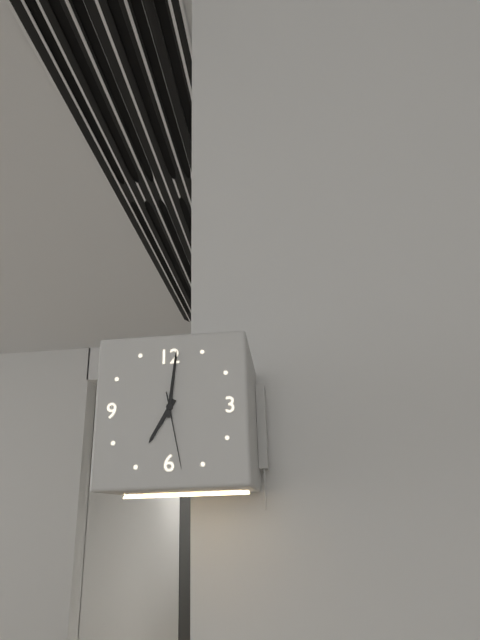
7:01:28
